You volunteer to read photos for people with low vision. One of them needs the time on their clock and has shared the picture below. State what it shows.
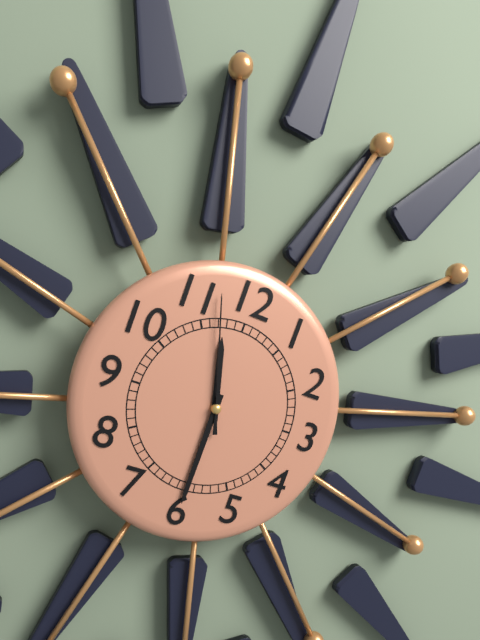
11:30:57
